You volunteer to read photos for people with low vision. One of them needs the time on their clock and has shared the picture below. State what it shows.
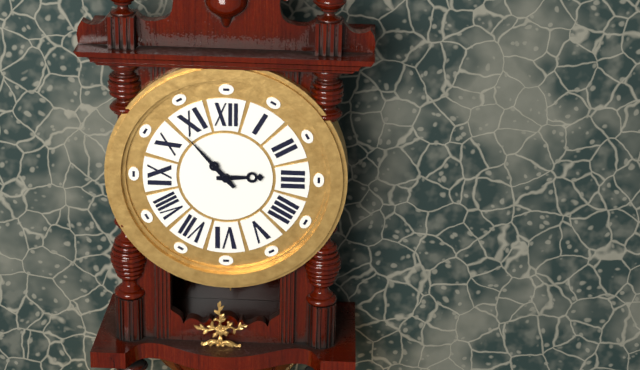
2:53
